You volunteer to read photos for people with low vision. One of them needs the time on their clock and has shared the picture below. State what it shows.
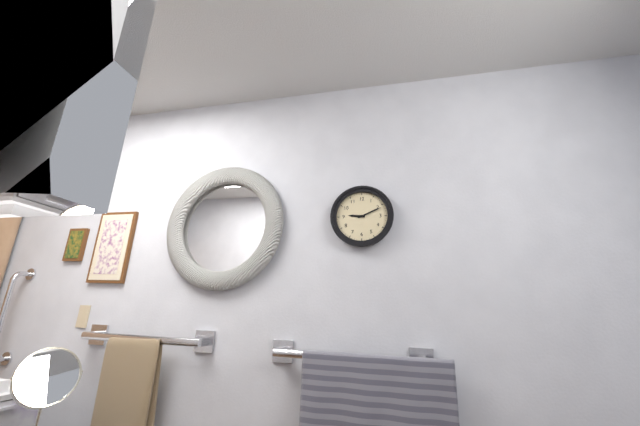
9:11
